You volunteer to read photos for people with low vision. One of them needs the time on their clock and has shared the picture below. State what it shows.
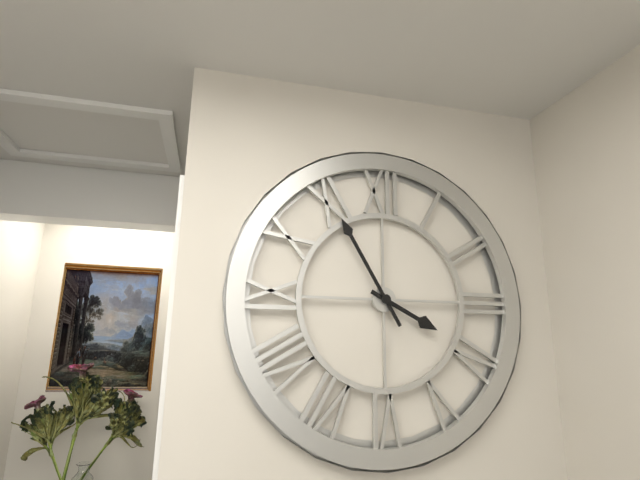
3:55
